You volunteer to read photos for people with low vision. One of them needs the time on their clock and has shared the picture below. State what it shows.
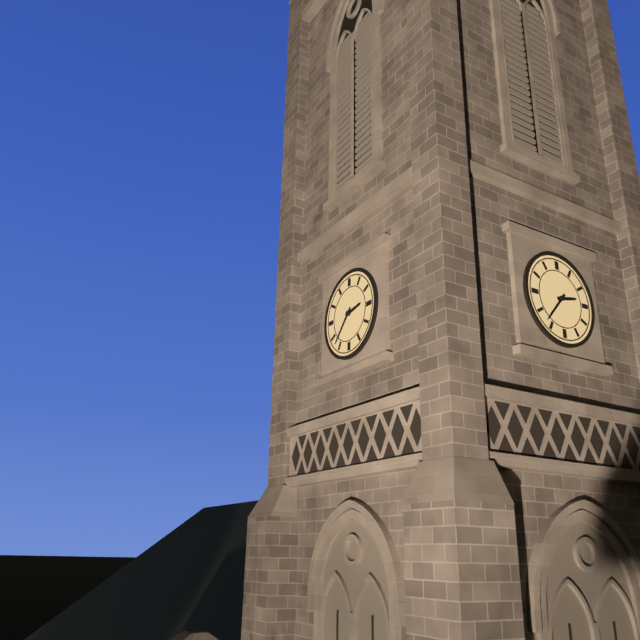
2:37
